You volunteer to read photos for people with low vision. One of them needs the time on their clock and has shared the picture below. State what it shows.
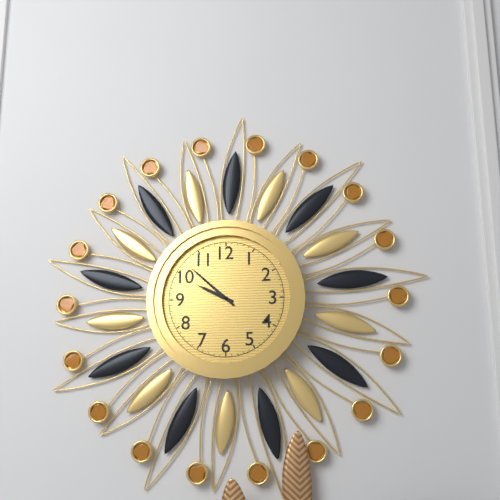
9:52
